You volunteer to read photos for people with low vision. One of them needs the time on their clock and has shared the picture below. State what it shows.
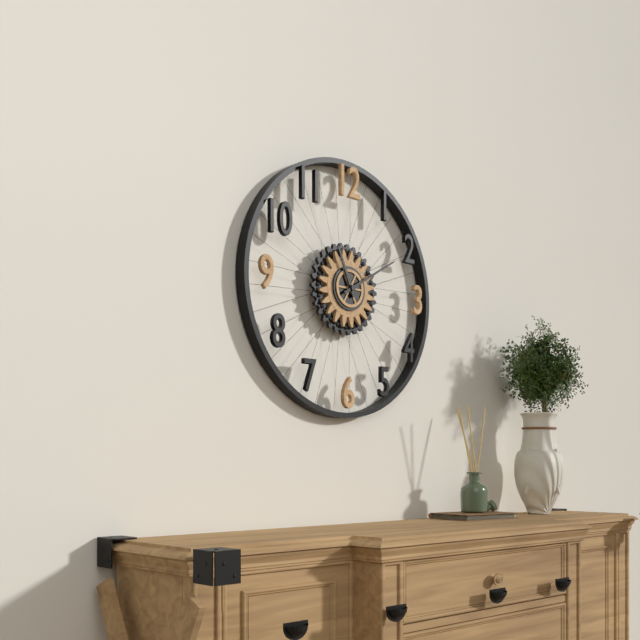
11:10
